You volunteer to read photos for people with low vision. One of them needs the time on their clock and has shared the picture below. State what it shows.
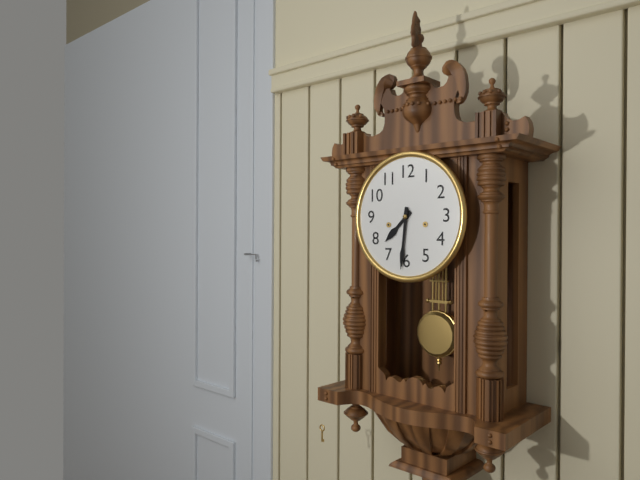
7:31
